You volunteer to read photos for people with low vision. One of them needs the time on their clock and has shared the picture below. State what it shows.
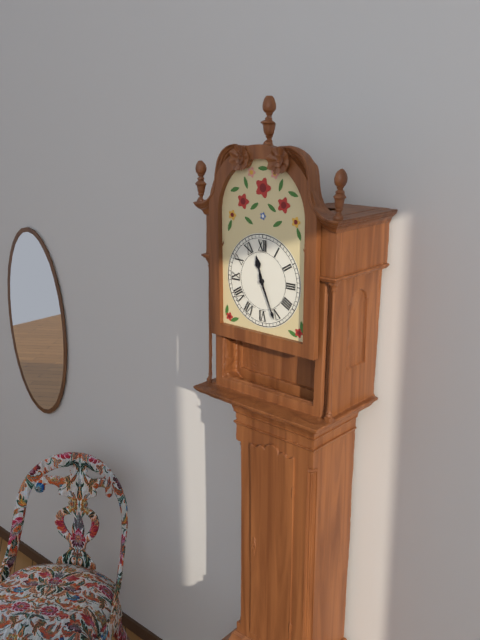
11:26
